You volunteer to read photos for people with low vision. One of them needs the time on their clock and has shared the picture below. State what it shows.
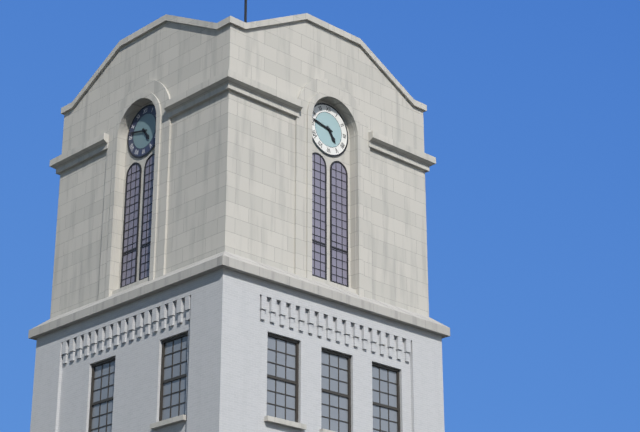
4:47
